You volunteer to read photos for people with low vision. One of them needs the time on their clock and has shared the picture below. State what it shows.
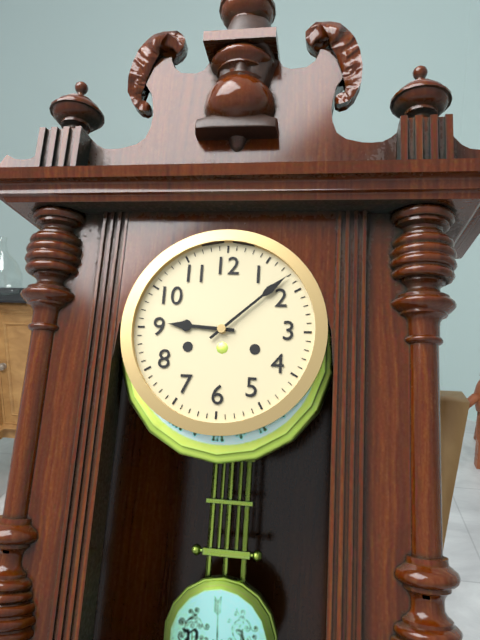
9:08
